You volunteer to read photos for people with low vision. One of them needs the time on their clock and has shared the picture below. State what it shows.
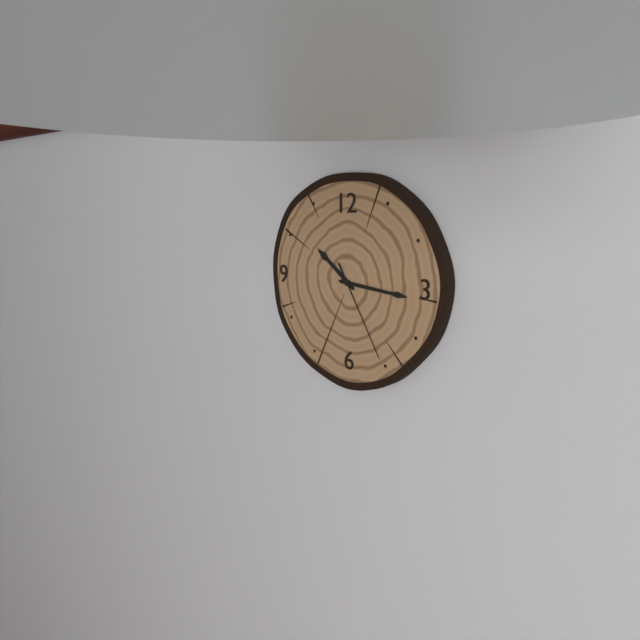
10:16:25
